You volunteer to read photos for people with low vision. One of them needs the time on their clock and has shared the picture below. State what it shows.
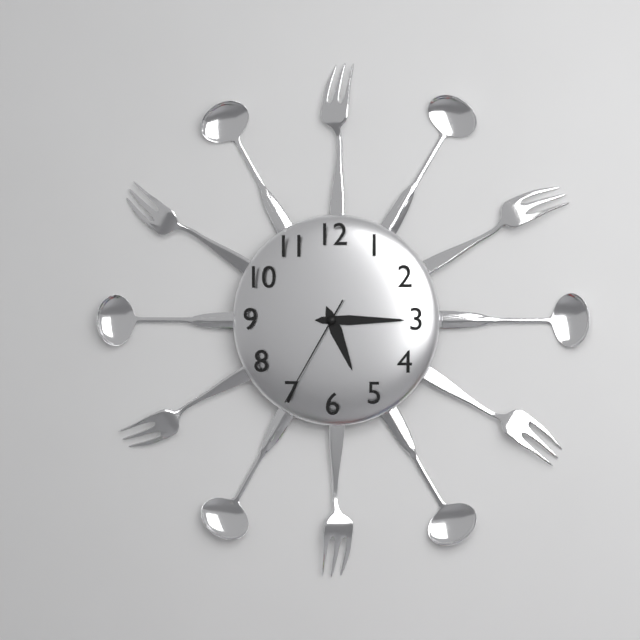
5:15:35
